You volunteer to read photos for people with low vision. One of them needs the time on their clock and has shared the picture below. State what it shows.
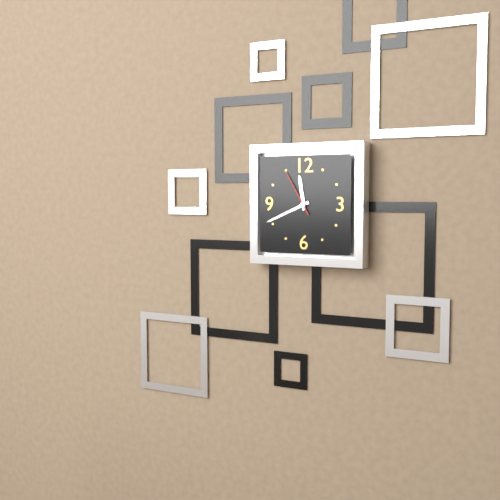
11:41
